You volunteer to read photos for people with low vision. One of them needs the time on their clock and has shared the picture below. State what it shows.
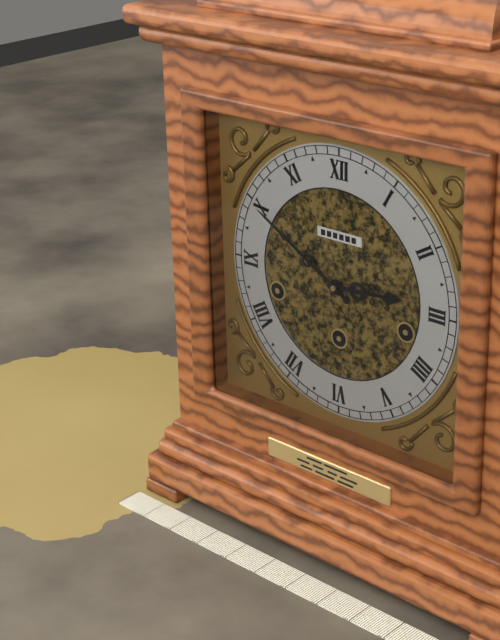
2:50
